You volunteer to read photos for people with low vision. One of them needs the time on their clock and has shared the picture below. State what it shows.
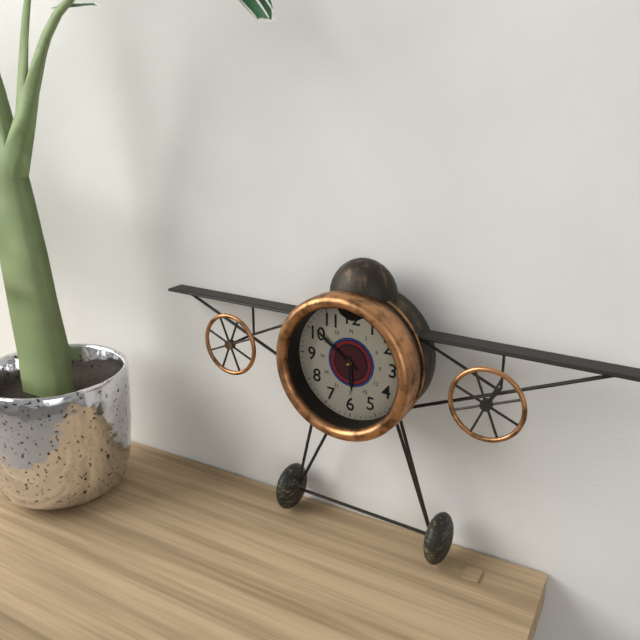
5:51
